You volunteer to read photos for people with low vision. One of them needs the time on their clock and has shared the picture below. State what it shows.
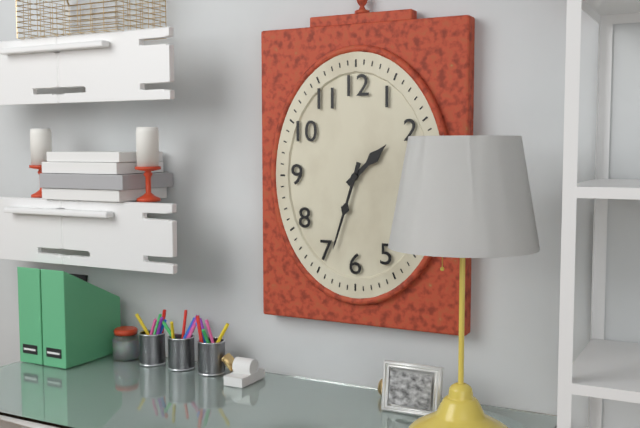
1:33
